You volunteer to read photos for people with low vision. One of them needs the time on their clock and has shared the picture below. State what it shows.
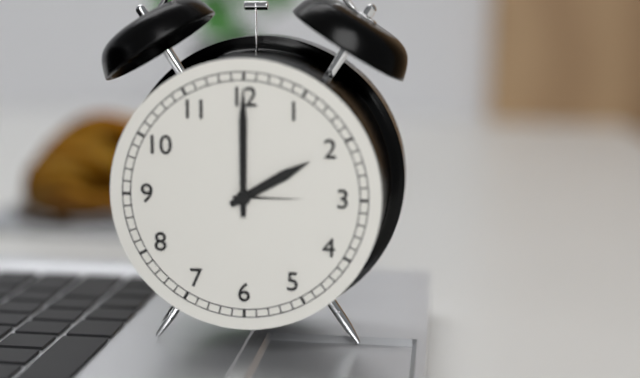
2:00
